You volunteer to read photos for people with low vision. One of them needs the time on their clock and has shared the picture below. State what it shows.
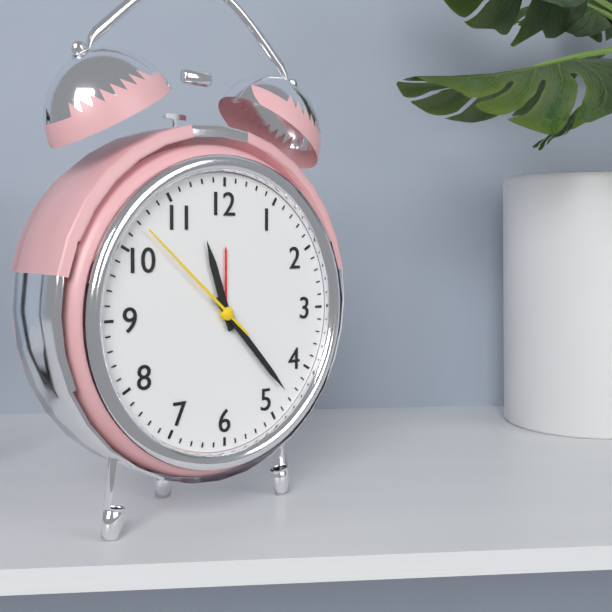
11:23:52
